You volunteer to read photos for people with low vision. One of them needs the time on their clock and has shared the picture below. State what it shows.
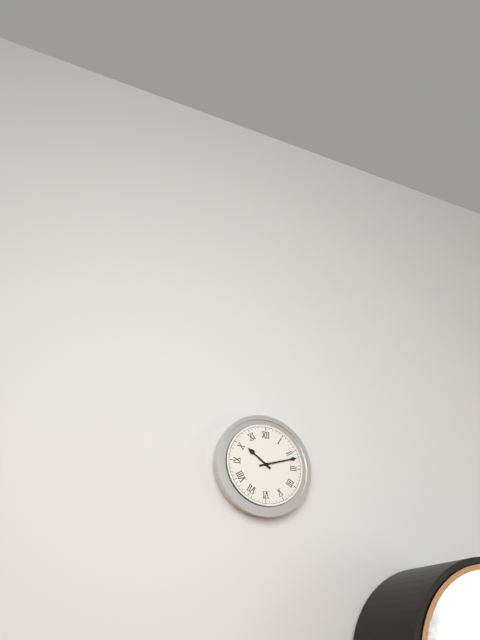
10:12
